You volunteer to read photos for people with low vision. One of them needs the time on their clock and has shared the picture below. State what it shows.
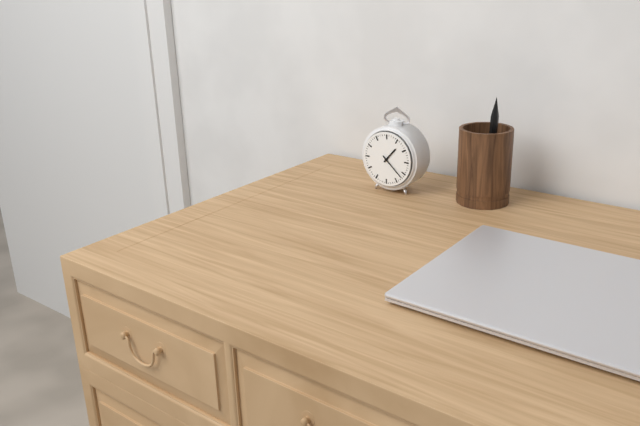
1:22
